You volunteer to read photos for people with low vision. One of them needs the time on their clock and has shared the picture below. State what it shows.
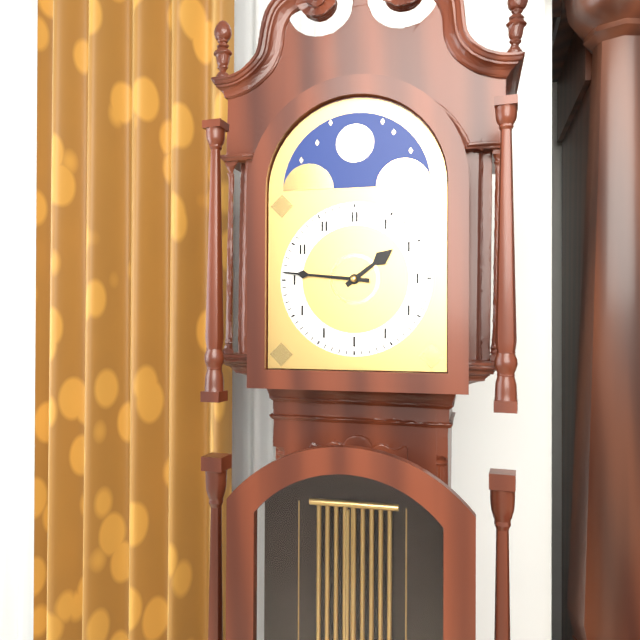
1:46
